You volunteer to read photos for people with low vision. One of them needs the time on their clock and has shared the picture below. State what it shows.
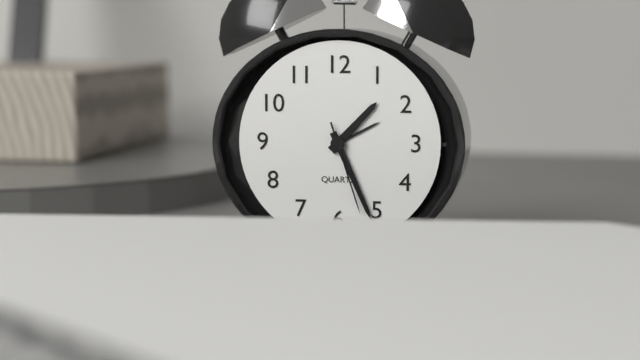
1:26:27
